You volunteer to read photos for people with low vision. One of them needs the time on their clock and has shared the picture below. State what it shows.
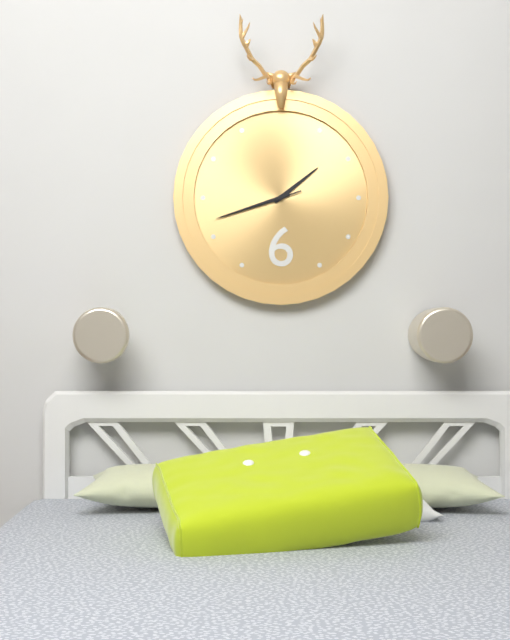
1:42:42
